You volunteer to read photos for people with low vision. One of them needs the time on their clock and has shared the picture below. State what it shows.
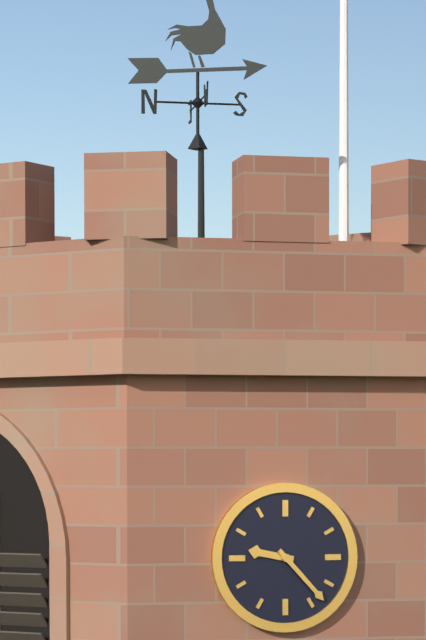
9:23
